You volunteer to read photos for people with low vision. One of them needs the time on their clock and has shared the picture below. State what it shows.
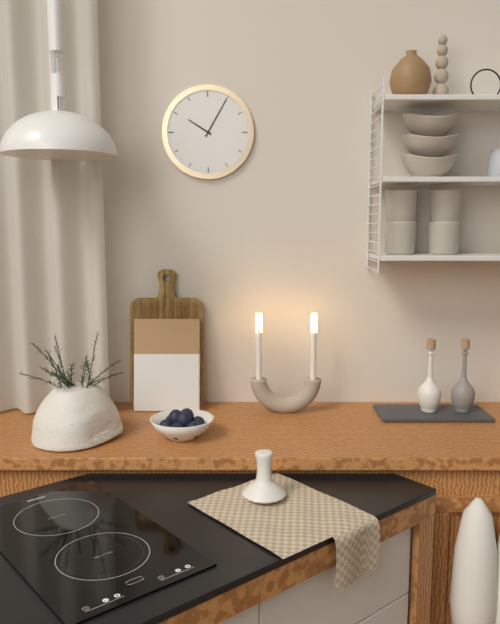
10:05
